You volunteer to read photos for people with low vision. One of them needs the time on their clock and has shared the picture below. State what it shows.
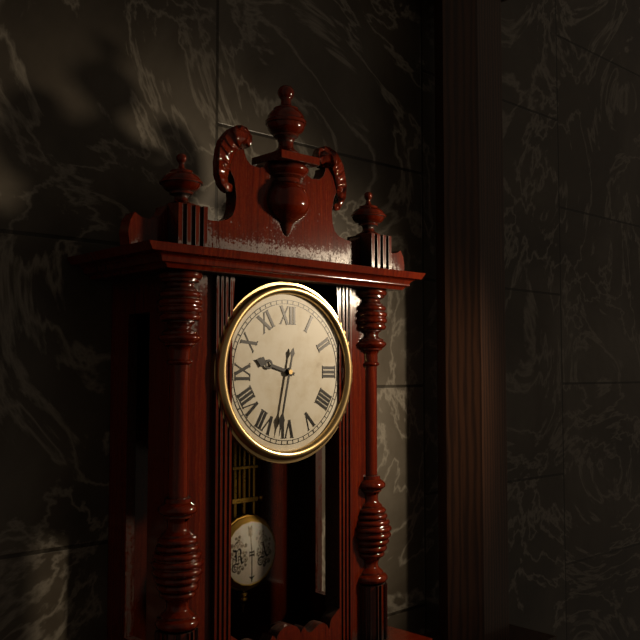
9:32
